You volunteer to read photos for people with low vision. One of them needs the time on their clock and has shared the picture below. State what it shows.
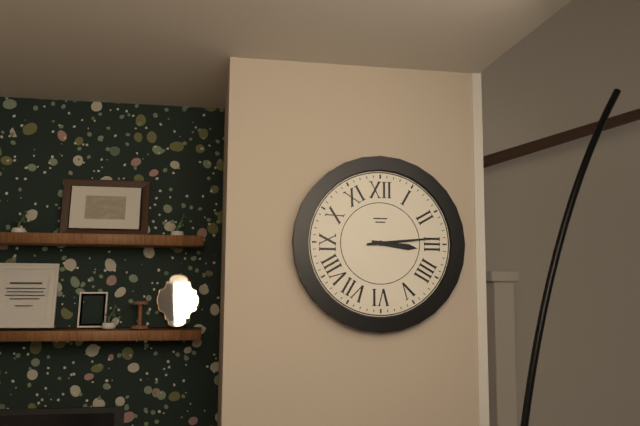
3:14
